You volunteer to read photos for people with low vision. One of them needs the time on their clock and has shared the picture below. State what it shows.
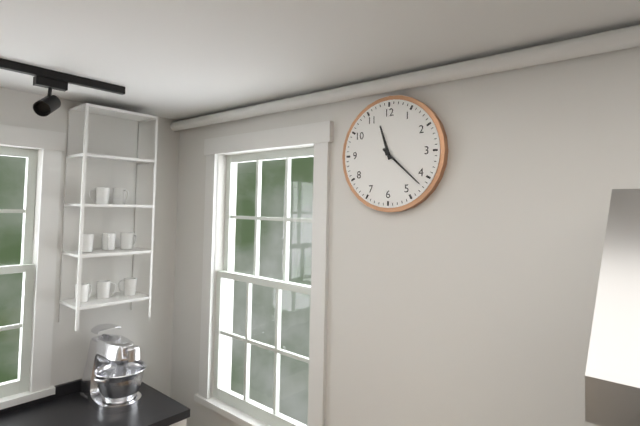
11:22
